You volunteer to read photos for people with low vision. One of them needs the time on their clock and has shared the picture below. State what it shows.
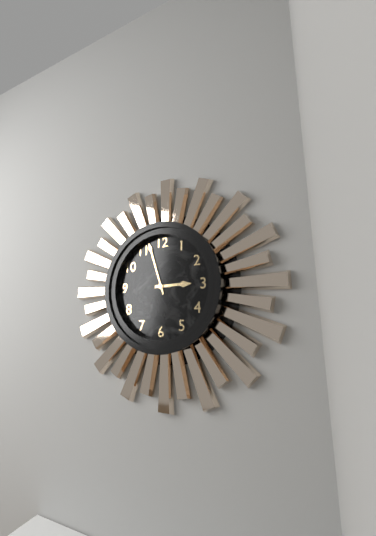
2:57
